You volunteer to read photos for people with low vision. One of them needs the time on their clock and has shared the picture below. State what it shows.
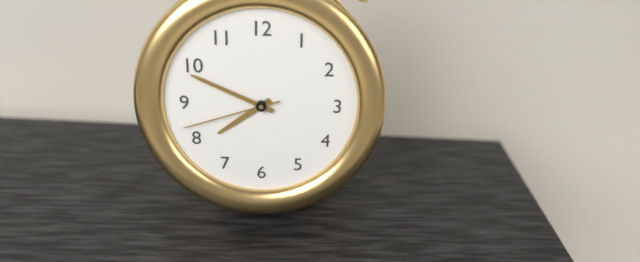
7:49:42
